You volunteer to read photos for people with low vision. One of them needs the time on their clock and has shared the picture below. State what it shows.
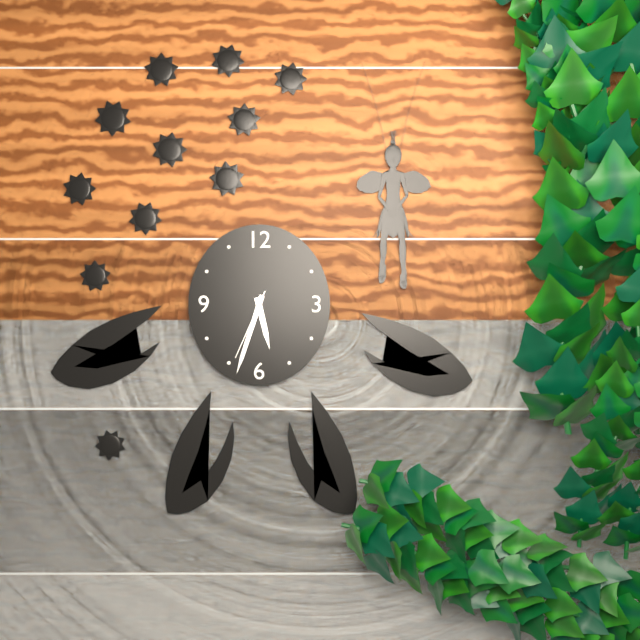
5:33:34
